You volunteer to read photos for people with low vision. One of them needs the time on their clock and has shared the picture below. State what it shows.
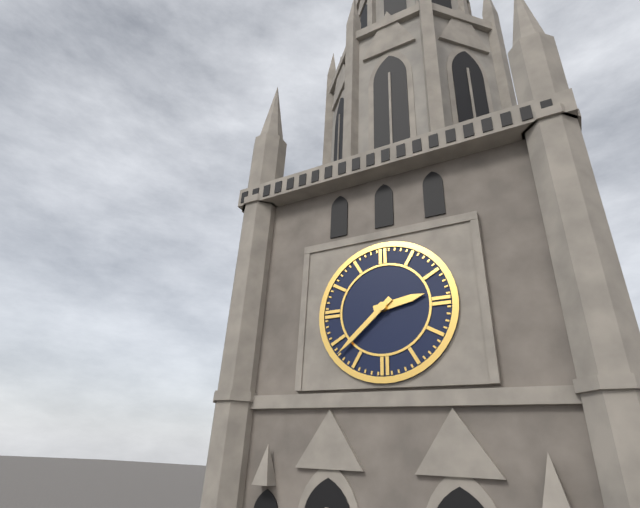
2:38
